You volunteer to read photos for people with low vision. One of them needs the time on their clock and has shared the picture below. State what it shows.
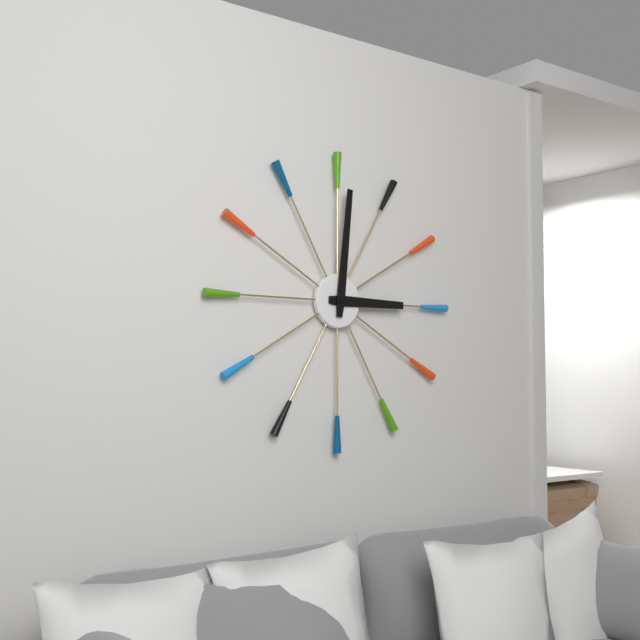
3:01
